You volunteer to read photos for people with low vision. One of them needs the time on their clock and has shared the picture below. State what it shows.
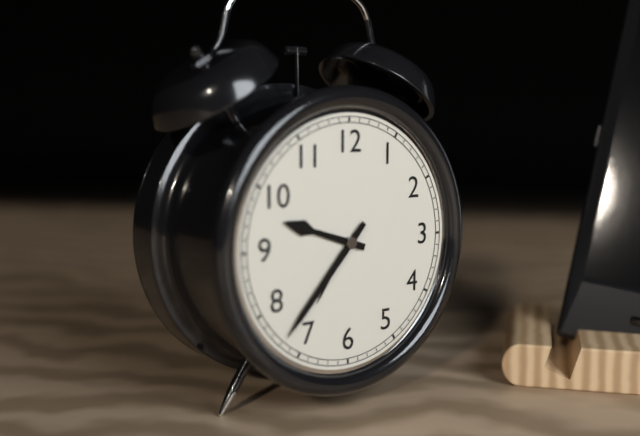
9:37
